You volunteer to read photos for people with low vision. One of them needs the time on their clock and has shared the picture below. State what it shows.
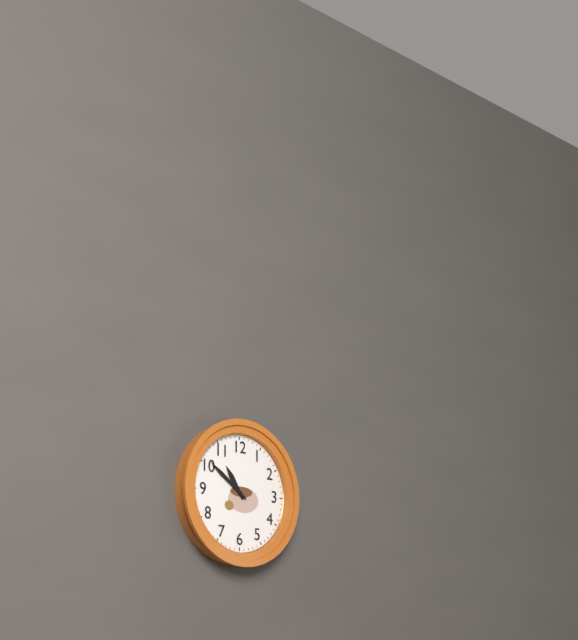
10:51
